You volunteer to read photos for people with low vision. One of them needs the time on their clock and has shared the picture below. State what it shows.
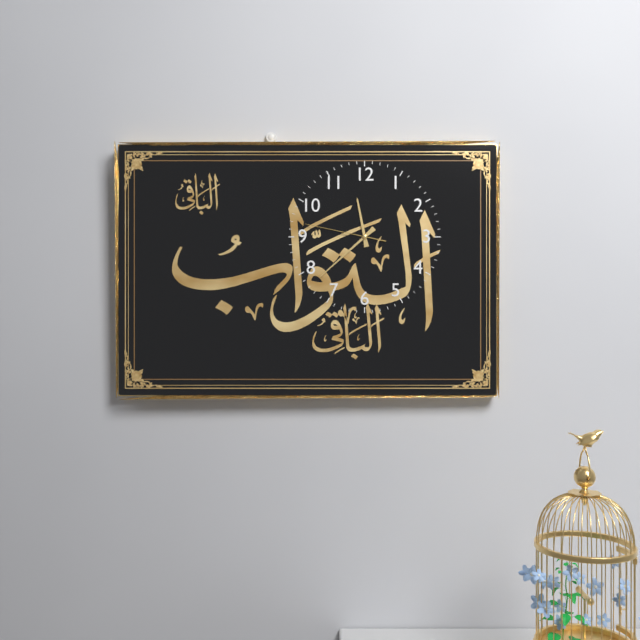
11:38:47
